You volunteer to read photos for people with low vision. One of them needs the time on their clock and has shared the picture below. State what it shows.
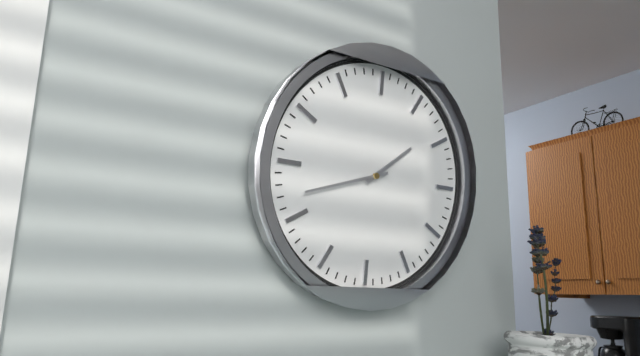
1:42
